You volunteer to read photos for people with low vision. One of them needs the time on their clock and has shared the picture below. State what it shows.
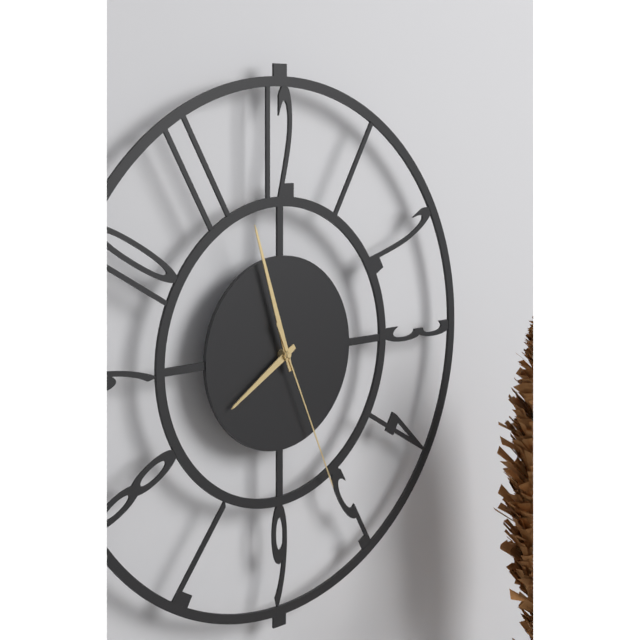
7:57:26
